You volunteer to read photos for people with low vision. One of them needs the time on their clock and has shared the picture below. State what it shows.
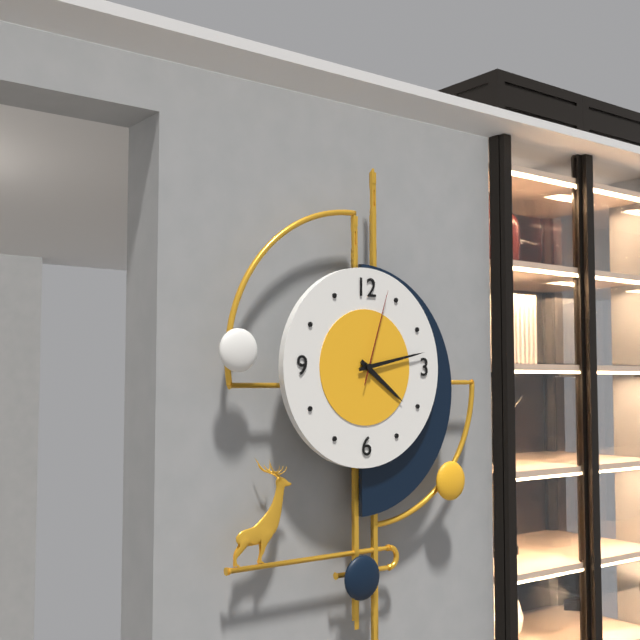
4:13:03
